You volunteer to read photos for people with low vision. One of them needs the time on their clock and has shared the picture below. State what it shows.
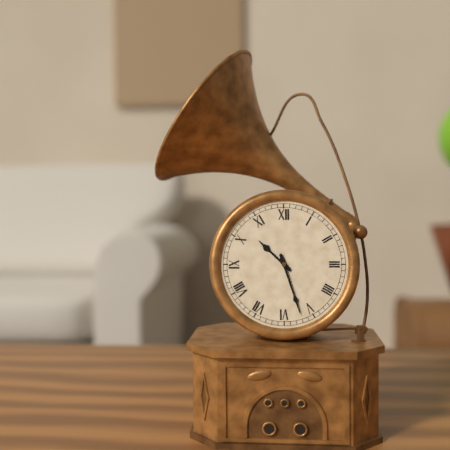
10:27
